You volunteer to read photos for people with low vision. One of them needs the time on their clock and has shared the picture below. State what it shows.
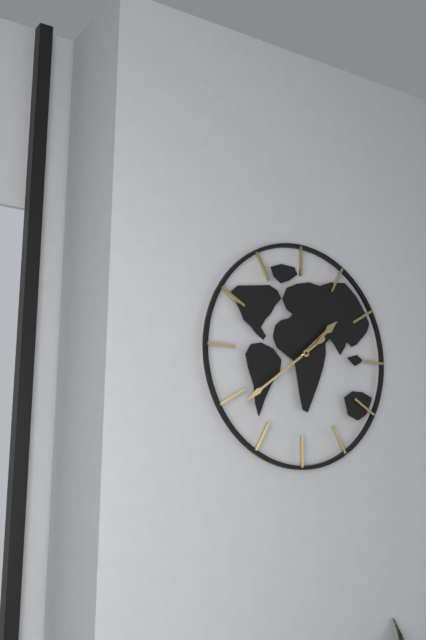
1:39
